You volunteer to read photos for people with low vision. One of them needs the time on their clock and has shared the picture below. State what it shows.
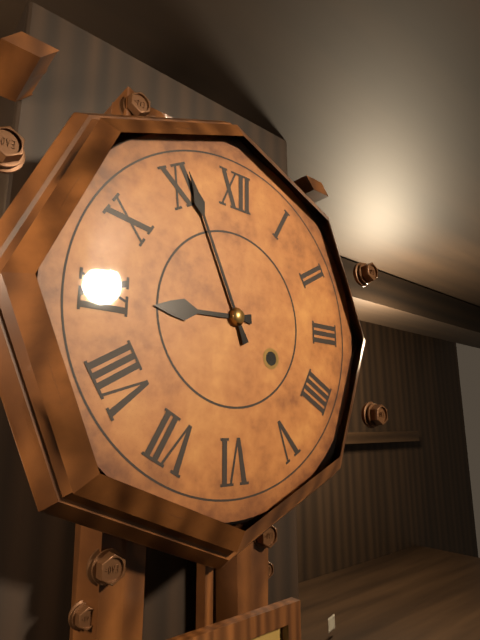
8:56
